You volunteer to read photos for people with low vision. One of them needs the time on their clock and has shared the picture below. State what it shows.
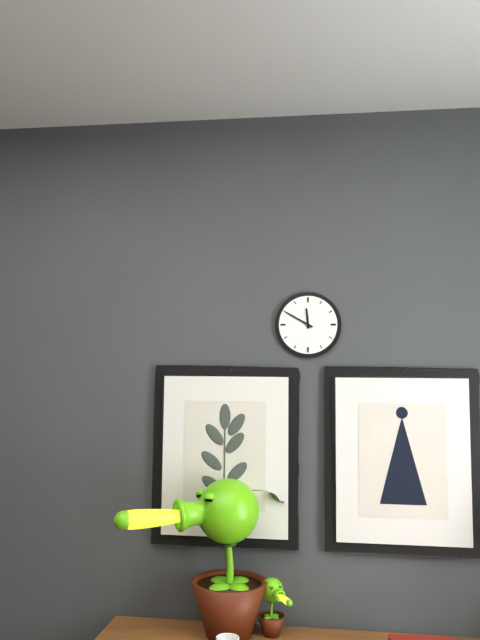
11:50
